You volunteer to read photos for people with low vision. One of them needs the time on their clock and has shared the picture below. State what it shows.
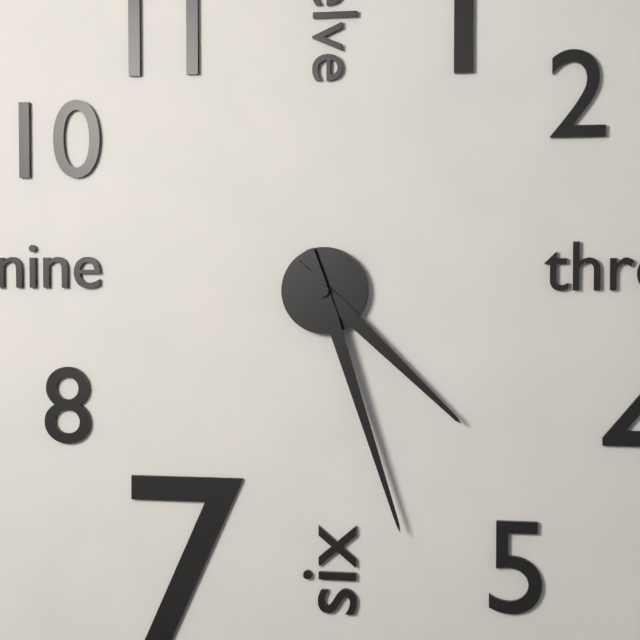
4:27
